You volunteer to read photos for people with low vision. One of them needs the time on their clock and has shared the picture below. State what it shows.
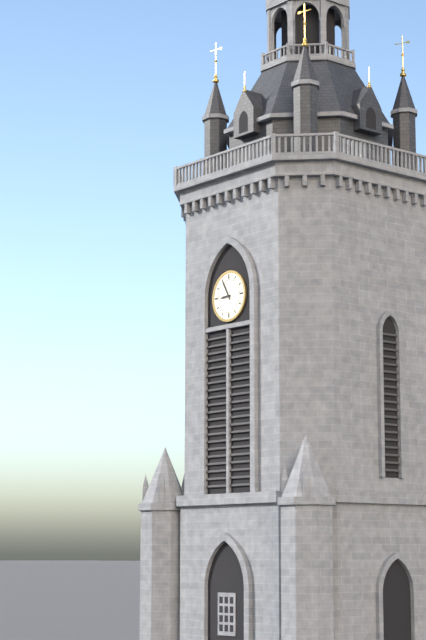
8:55
